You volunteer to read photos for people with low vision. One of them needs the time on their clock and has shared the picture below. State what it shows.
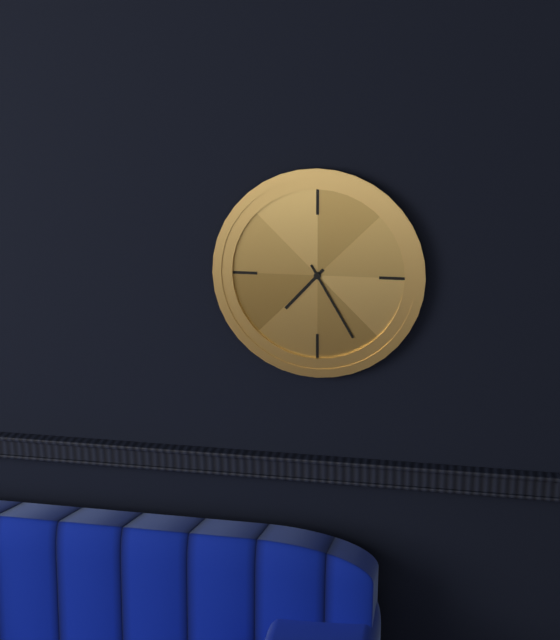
7:25
